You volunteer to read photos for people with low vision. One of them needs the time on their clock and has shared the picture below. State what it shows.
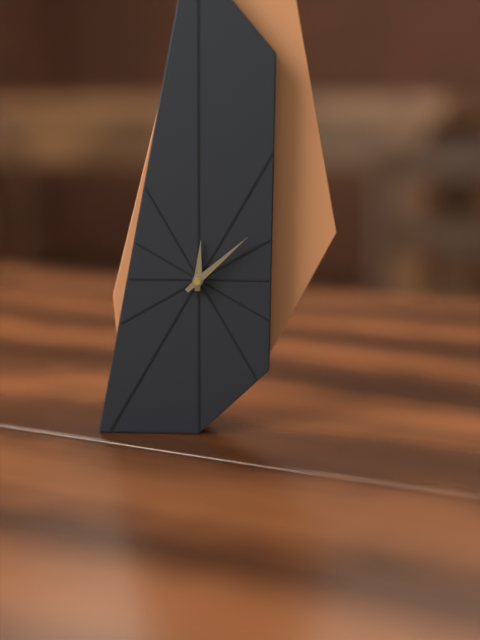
12:08
